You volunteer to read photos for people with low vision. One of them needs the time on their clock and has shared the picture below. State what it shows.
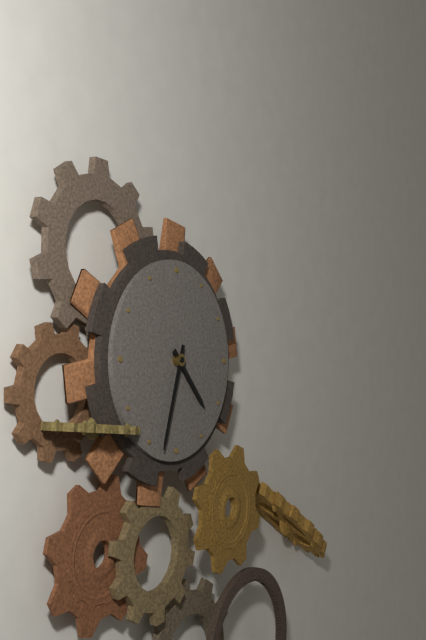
4:33
